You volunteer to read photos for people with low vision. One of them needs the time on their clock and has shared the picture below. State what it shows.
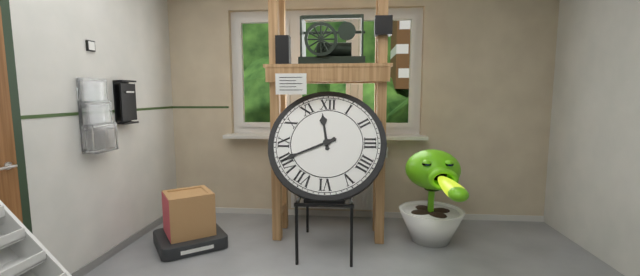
11:41
